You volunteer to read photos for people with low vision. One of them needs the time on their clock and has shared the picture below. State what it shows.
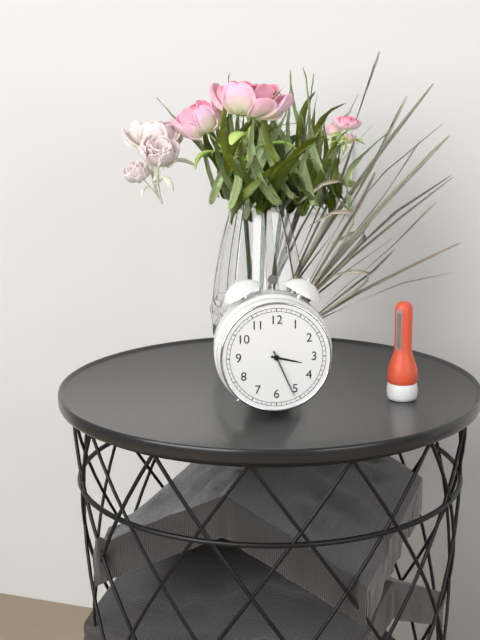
3:26
